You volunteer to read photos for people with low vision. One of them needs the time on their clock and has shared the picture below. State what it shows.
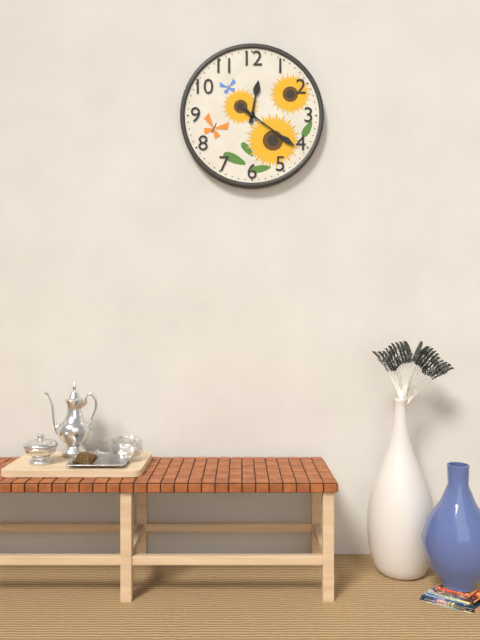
12:21
